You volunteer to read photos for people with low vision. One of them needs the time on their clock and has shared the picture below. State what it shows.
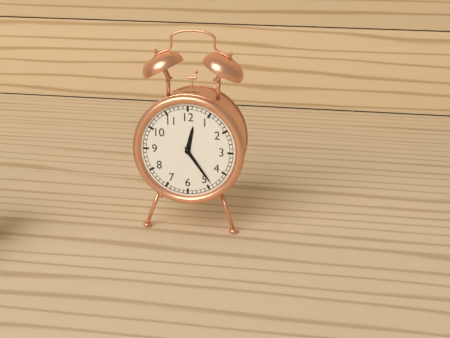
12:24
